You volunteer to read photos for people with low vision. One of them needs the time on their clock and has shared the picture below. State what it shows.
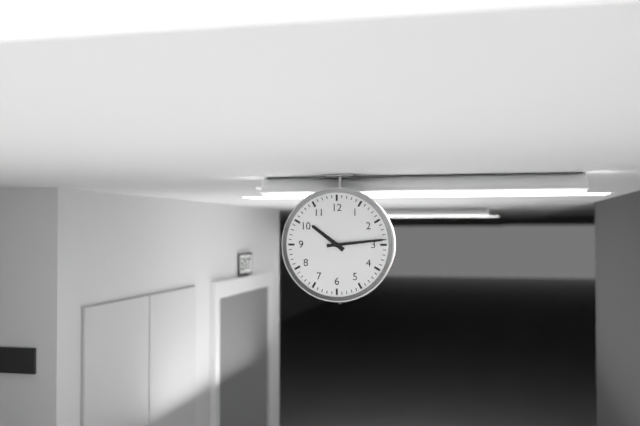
10:14
